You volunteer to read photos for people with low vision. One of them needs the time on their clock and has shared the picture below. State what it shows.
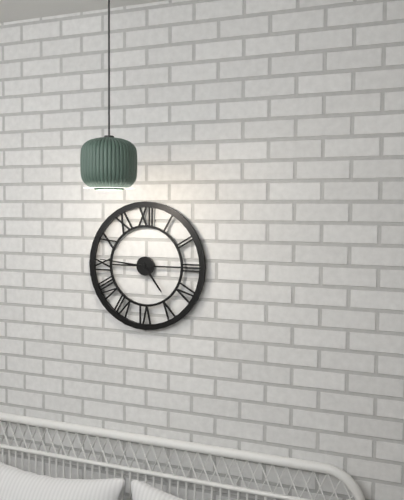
4:46
